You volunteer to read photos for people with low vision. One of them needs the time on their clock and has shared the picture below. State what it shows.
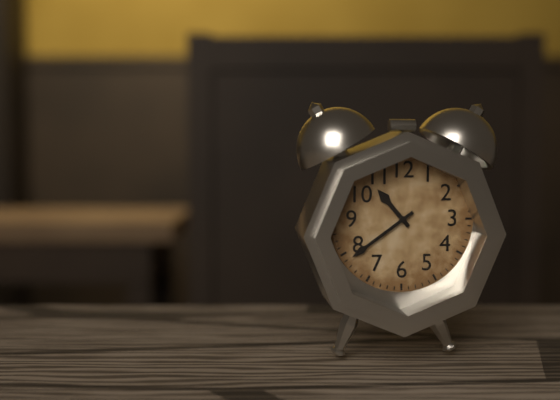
10:39
